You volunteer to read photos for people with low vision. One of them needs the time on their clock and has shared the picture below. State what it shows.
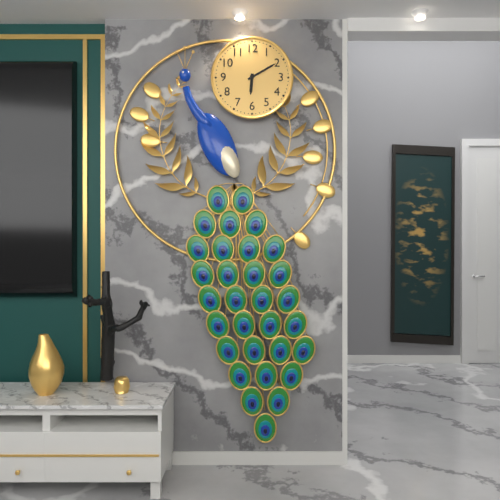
6:10
